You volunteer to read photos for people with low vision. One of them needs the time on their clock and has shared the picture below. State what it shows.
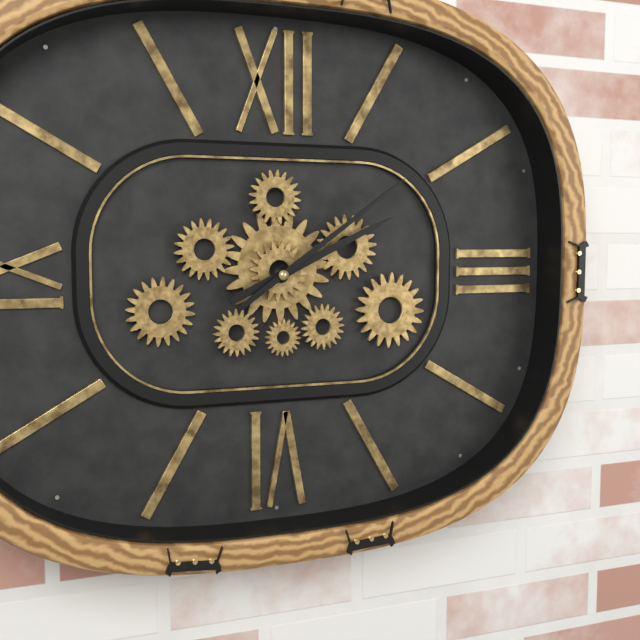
2:09
